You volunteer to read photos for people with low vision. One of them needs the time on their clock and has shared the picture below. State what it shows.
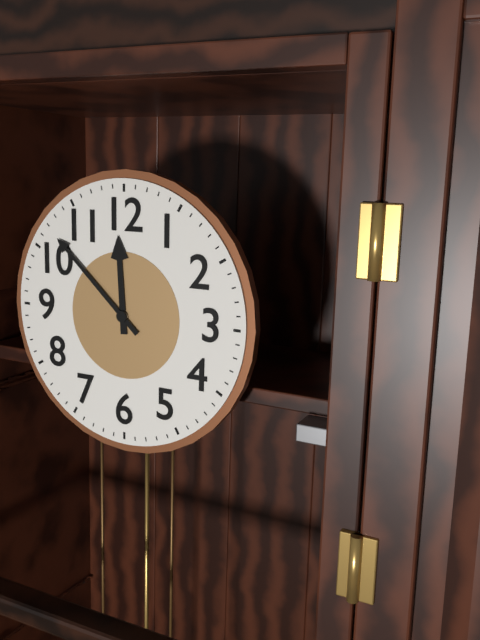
11:52
